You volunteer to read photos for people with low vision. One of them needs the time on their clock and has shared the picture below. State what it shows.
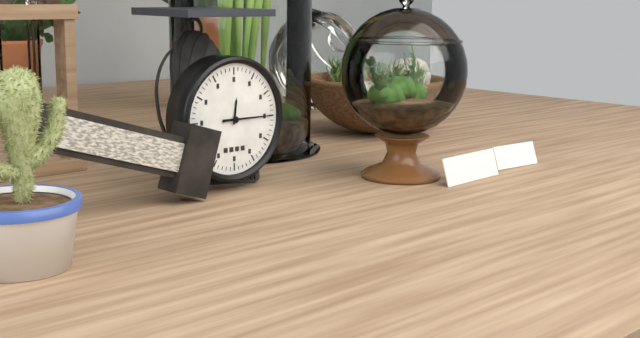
12:15
